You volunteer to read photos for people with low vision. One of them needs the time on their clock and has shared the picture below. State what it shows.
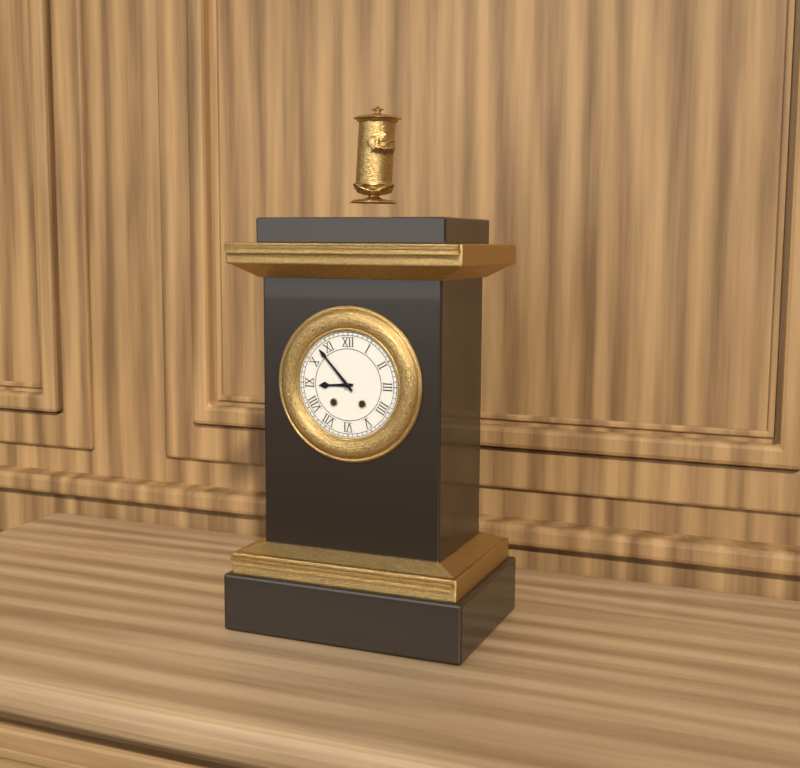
8:53
